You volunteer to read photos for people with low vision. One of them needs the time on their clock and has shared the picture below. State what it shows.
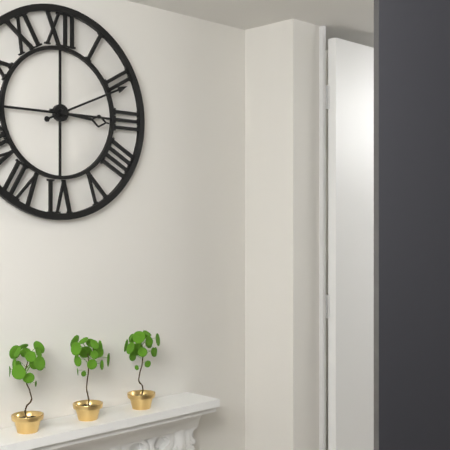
3:11
